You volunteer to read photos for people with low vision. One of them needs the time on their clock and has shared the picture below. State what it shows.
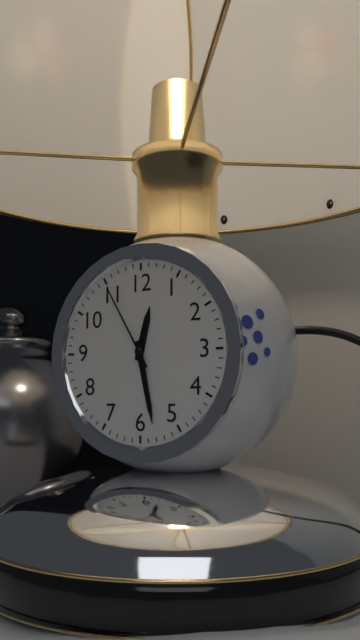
12:28:55
